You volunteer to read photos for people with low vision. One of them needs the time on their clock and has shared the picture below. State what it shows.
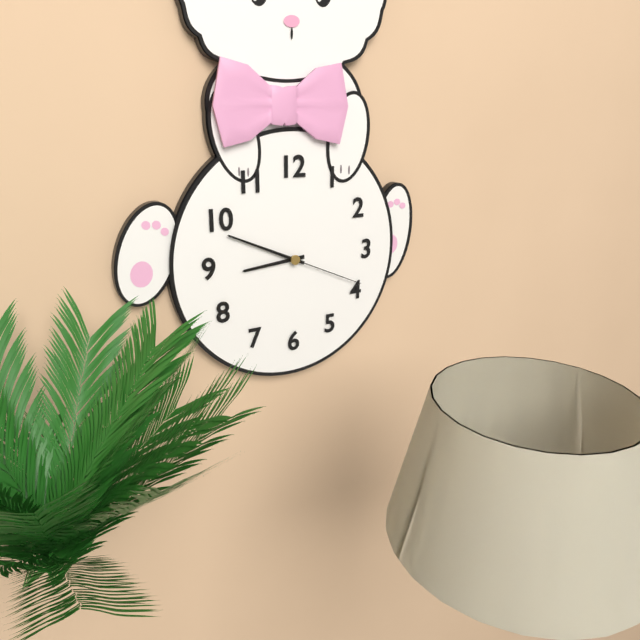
8:49:19
